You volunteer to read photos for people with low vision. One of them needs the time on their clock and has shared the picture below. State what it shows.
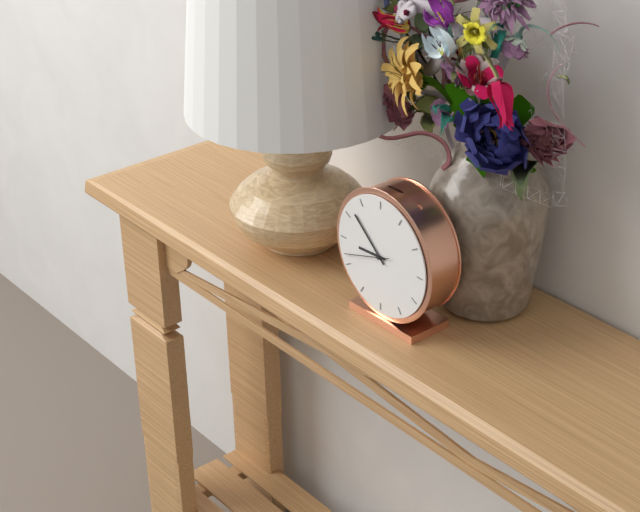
8:52
